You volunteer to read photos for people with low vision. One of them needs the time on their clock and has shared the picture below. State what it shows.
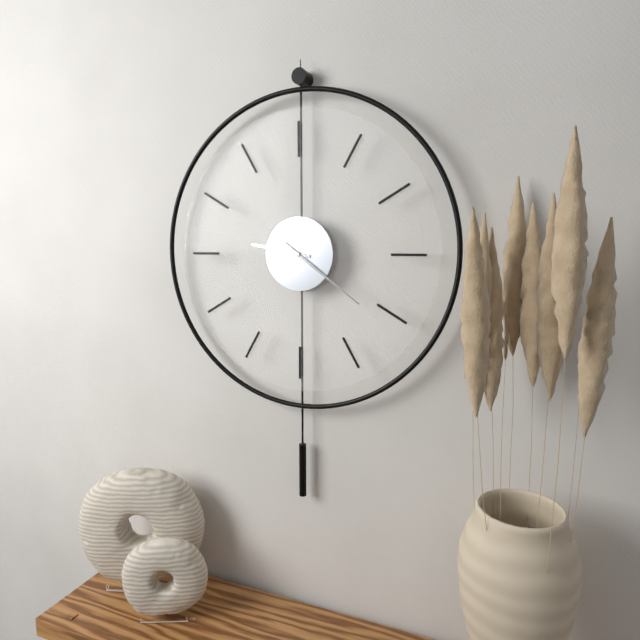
9:21
